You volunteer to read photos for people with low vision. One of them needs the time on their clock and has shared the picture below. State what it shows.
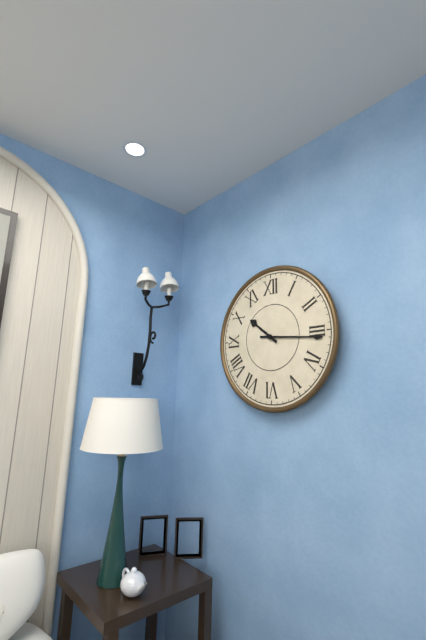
10:16
